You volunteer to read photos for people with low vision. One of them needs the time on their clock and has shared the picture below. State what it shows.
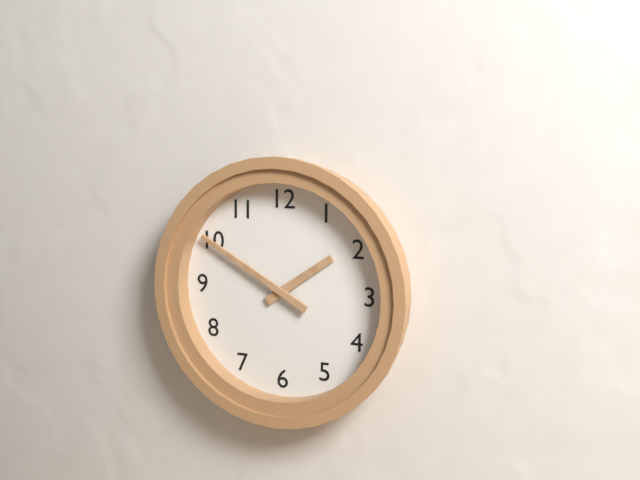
1:50
